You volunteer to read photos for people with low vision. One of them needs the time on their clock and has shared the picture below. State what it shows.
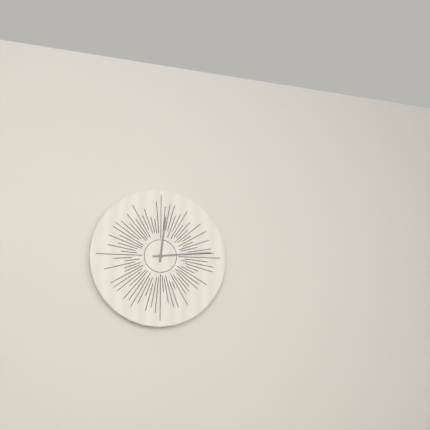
12:14
